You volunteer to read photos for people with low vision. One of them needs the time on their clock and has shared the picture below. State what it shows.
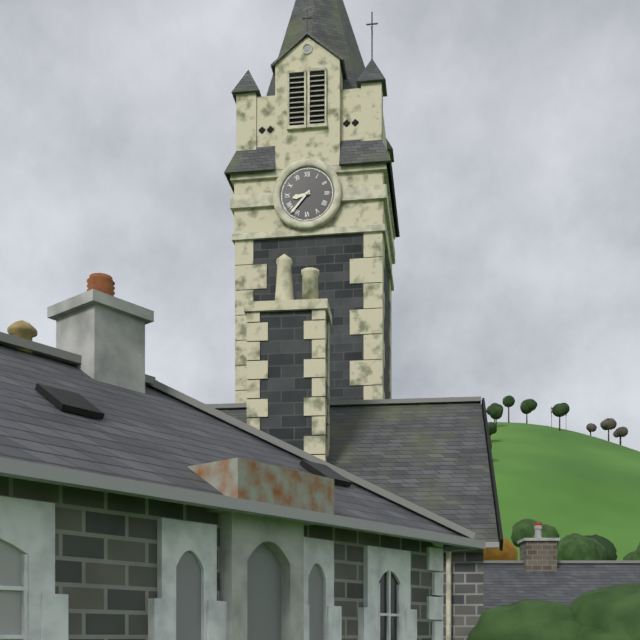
8:37
